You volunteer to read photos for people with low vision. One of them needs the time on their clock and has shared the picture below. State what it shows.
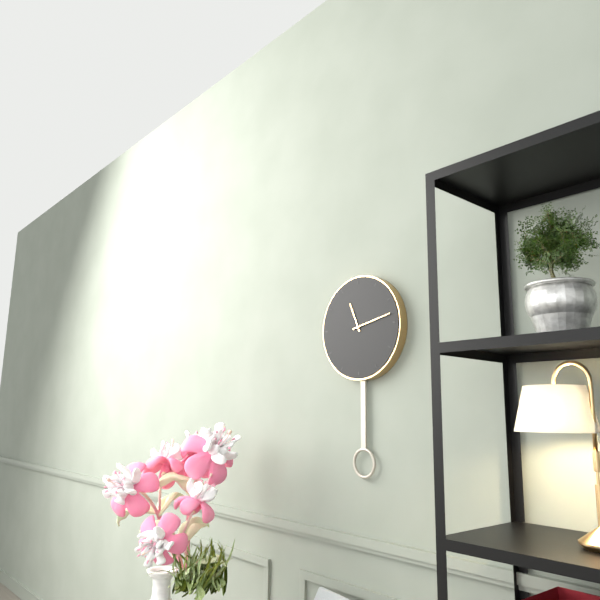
11:13
